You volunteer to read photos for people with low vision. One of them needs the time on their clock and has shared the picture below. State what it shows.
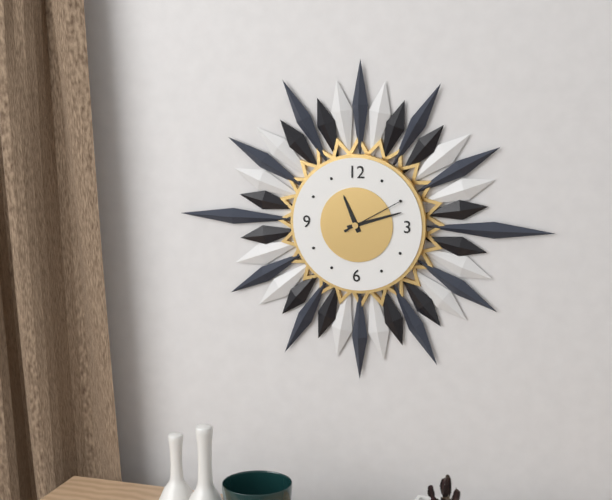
11:12:10
